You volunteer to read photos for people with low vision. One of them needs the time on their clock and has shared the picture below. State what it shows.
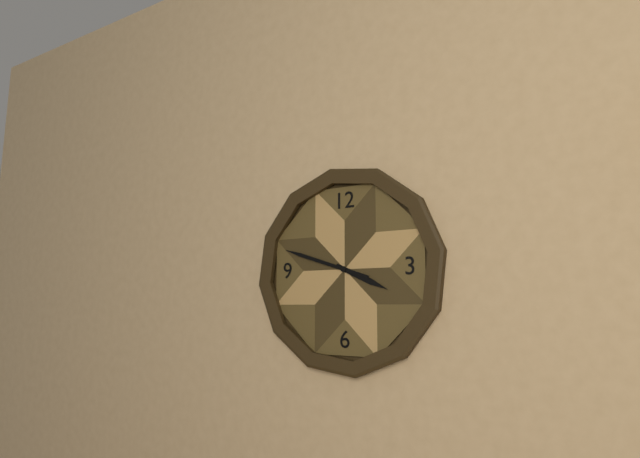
3:48
